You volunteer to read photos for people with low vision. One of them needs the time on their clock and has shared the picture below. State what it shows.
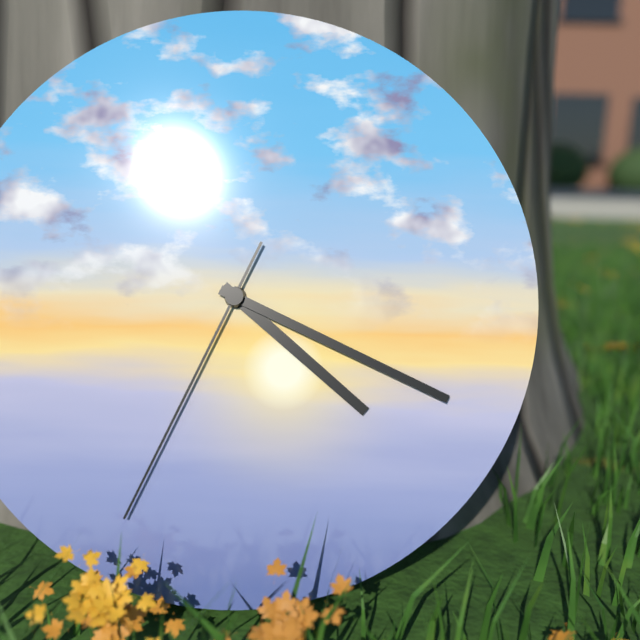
4:19:34
